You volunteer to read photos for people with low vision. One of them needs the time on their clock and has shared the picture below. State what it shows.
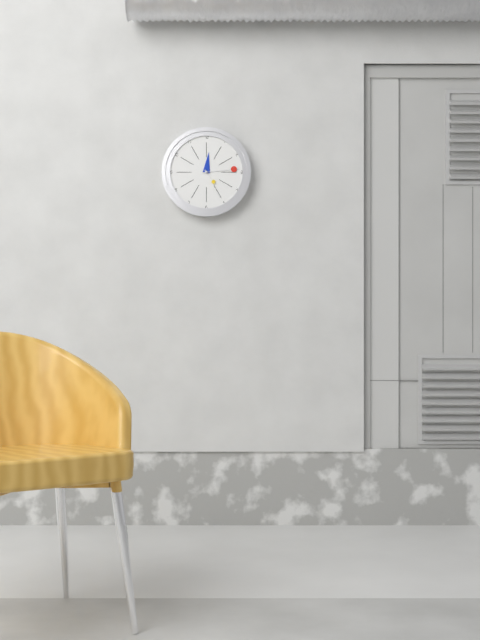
12:14
